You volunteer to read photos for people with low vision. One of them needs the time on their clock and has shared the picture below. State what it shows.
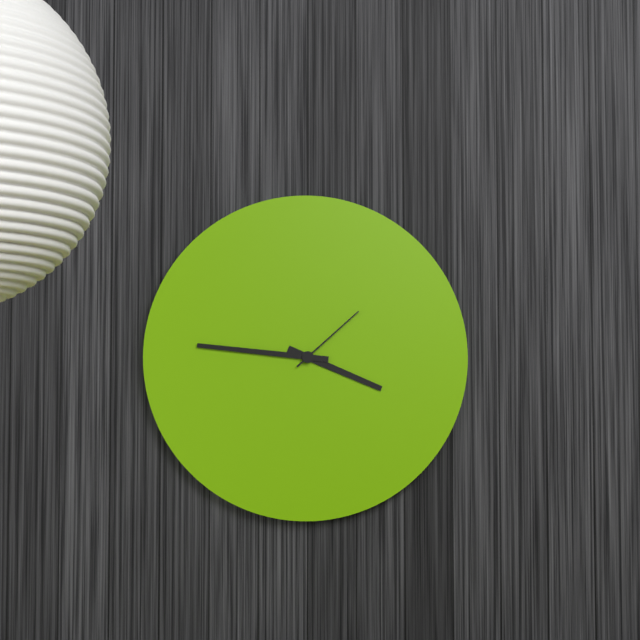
3:46:08
